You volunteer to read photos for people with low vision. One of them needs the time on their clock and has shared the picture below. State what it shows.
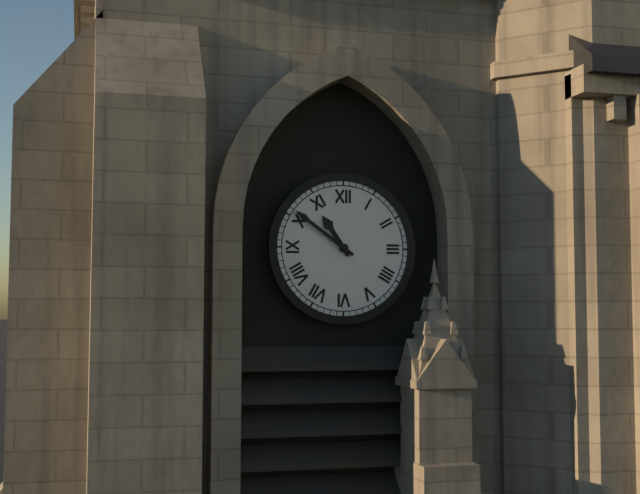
10:51
